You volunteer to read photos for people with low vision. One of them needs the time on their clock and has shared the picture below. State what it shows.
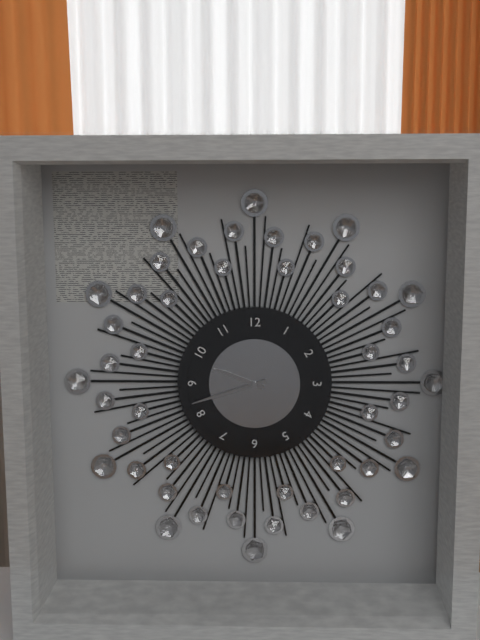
9:42
